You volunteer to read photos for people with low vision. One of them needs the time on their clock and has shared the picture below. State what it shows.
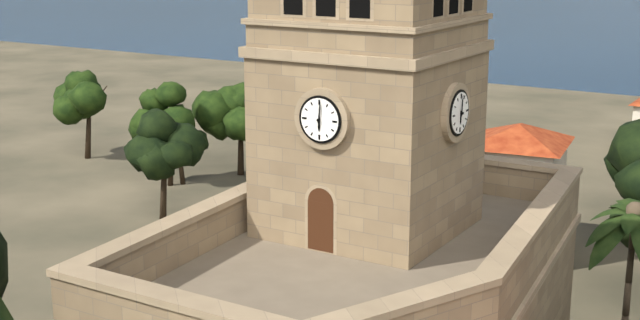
6:01
